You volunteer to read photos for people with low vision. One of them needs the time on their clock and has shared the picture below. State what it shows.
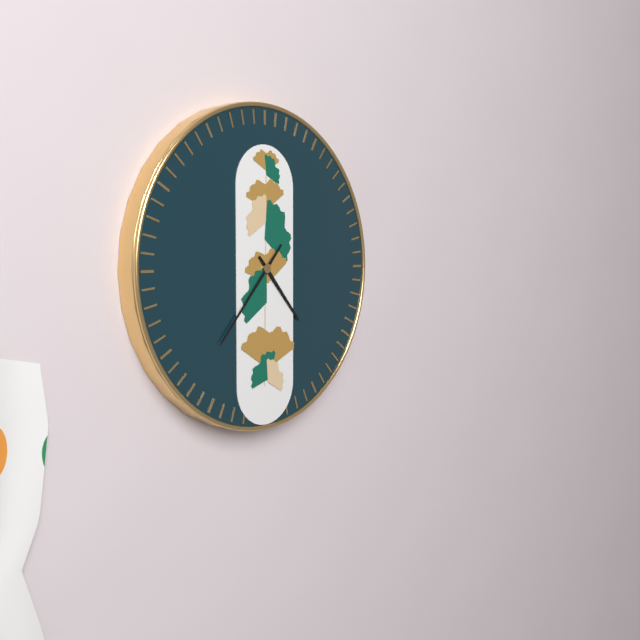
4:37
